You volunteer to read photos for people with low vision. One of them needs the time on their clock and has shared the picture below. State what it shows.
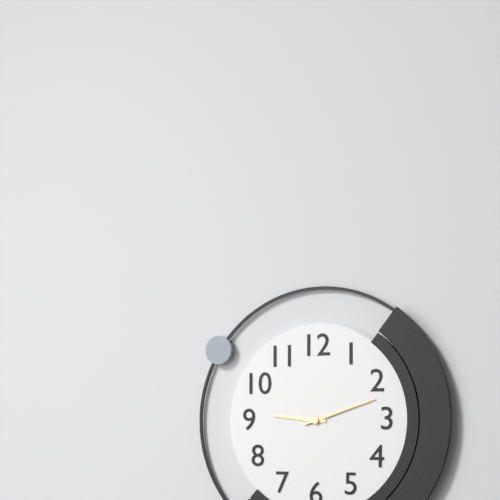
9:12
